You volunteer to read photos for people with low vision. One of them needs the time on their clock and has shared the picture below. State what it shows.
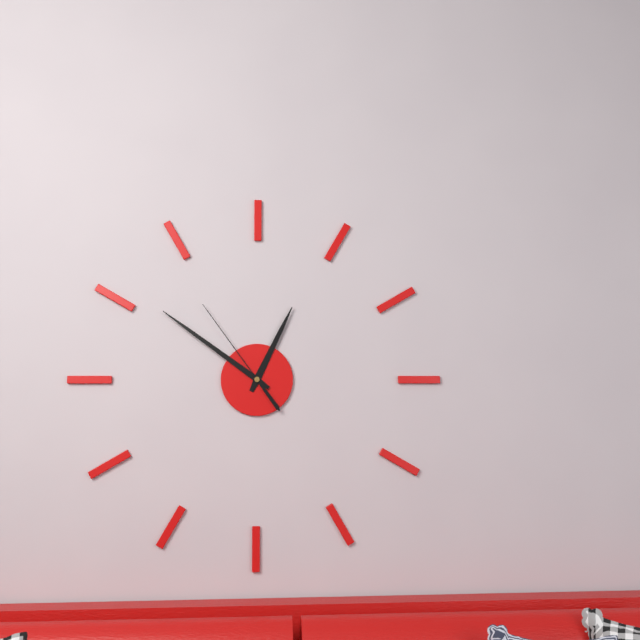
12:51:54
